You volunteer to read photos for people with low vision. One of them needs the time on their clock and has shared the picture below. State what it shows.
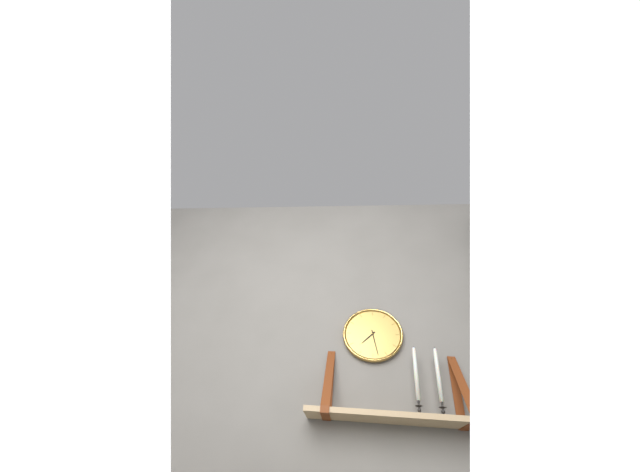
7:28
